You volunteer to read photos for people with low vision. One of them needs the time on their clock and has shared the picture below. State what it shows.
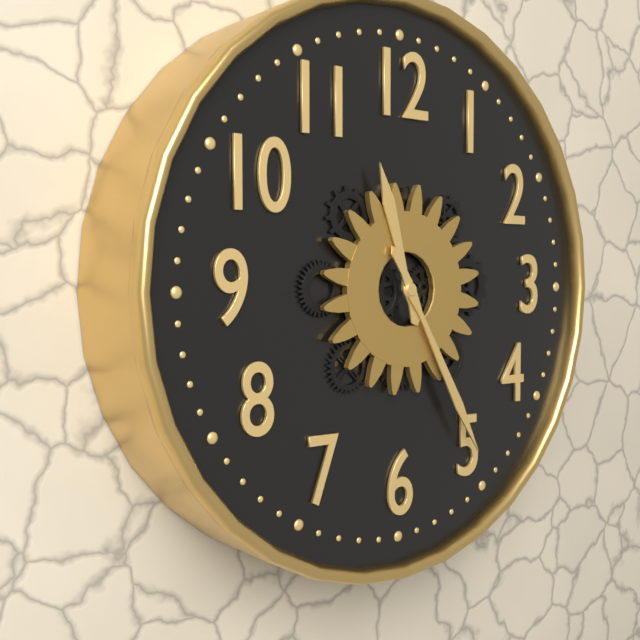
11:25
